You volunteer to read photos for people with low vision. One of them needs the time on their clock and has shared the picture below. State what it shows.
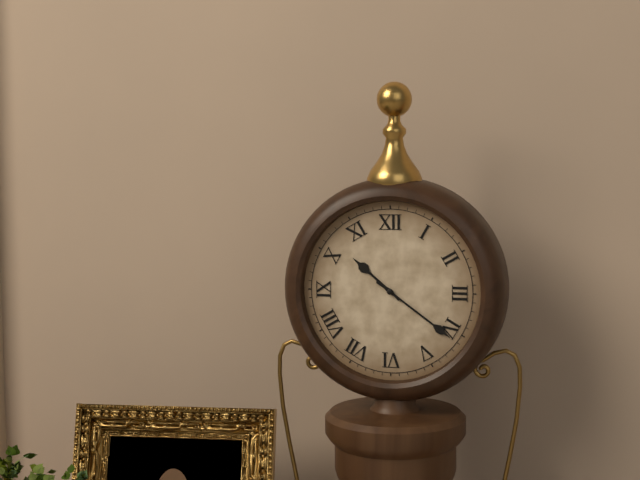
10:21
